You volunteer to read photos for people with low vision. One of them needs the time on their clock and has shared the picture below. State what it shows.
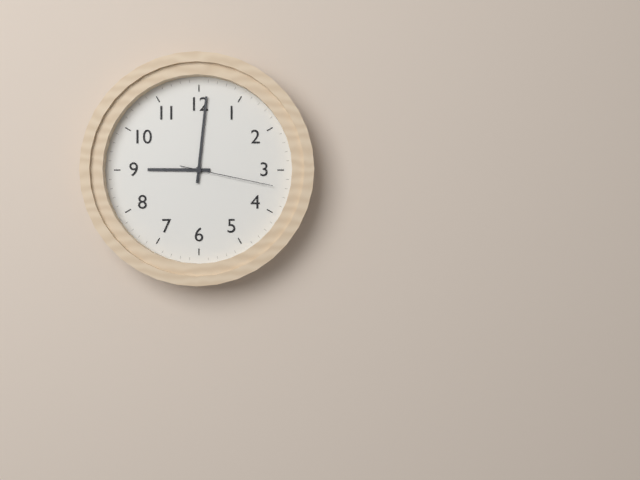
9:01:17
